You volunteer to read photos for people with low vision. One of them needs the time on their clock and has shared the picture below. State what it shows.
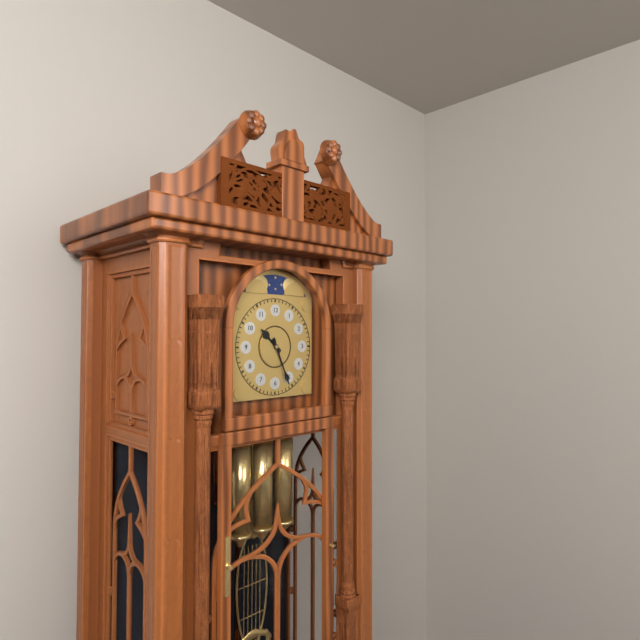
10:26
